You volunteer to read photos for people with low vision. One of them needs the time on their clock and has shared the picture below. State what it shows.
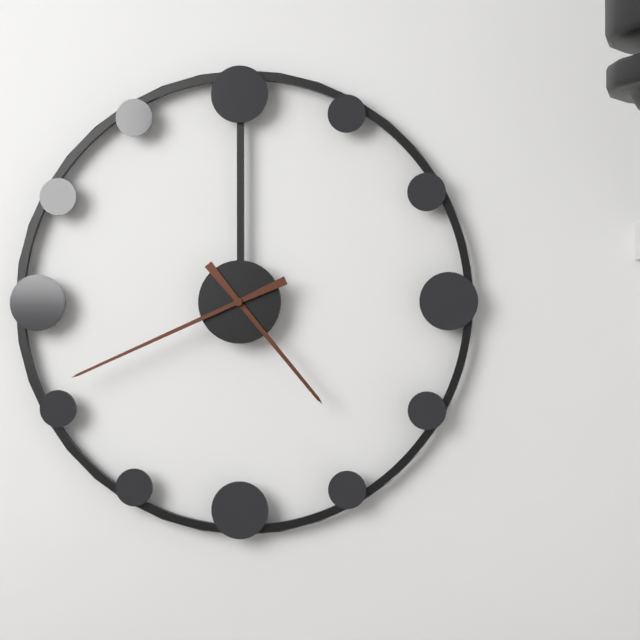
4:41
